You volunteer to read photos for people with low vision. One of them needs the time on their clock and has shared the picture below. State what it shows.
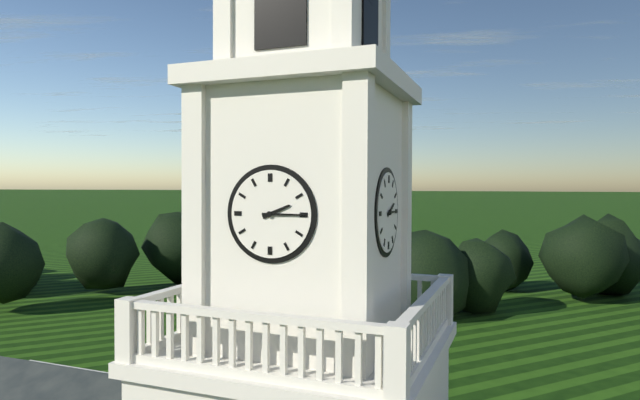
2:15
